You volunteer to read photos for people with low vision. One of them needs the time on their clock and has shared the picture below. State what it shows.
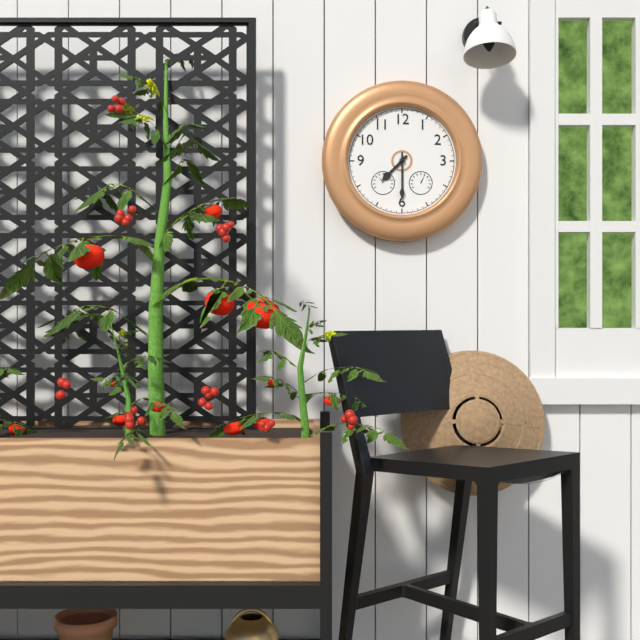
7:30
